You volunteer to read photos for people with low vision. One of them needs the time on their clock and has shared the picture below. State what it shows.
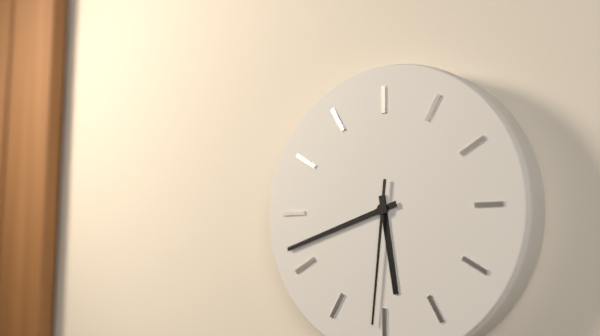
5:42:31
